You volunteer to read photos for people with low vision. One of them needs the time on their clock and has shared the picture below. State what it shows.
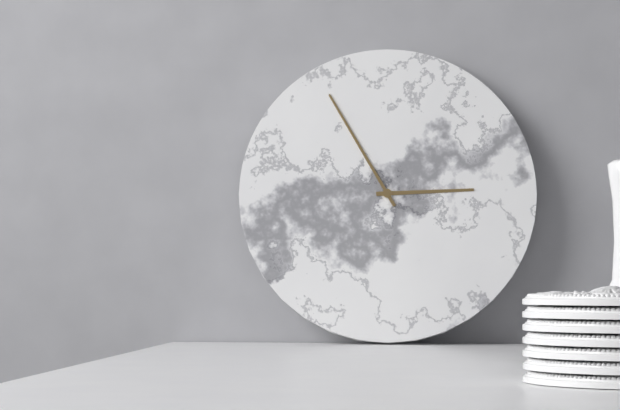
2:55
